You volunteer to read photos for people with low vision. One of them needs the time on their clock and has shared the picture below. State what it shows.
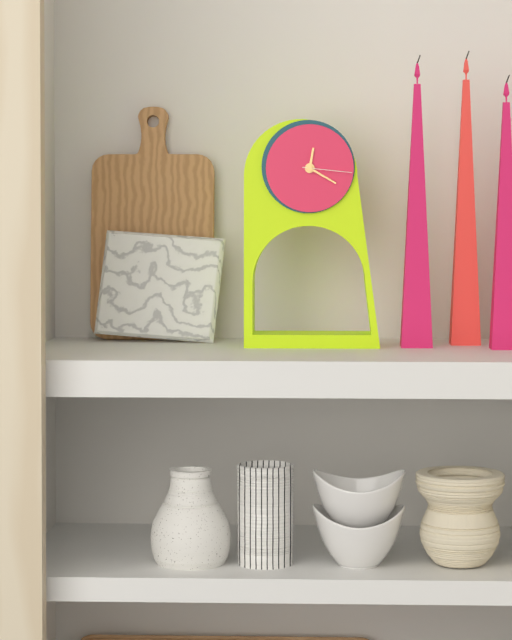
12:20:16
